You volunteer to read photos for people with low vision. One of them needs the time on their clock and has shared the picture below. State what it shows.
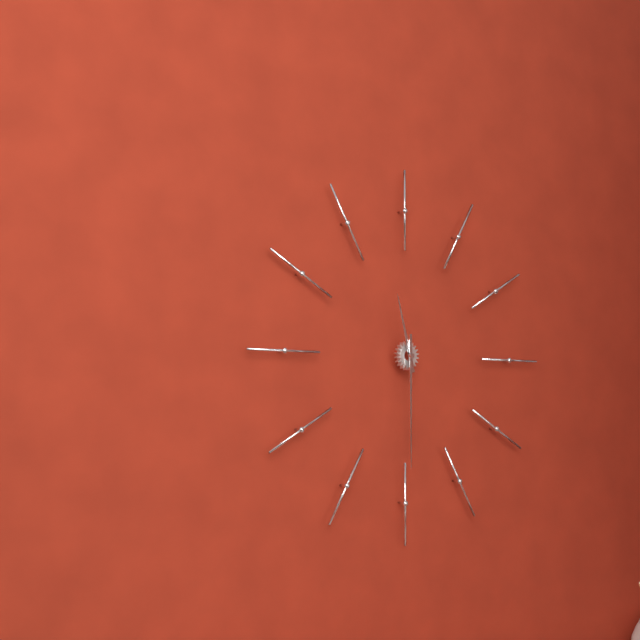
11:30
